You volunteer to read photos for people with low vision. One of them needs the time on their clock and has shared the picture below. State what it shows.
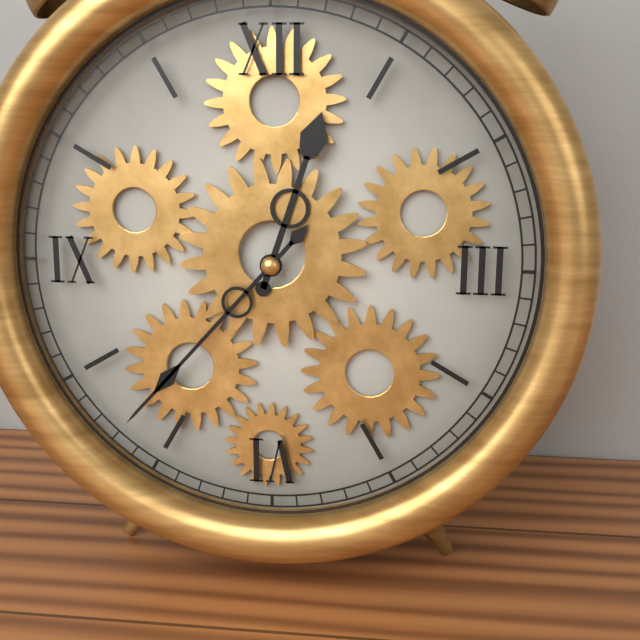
12:37
